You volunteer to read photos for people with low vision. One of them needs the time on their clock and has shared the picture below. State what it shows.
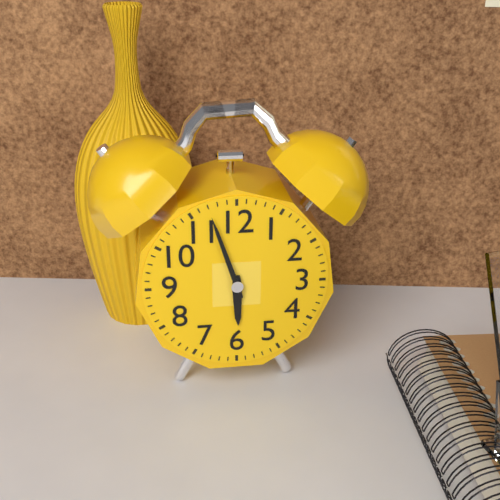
5:57
